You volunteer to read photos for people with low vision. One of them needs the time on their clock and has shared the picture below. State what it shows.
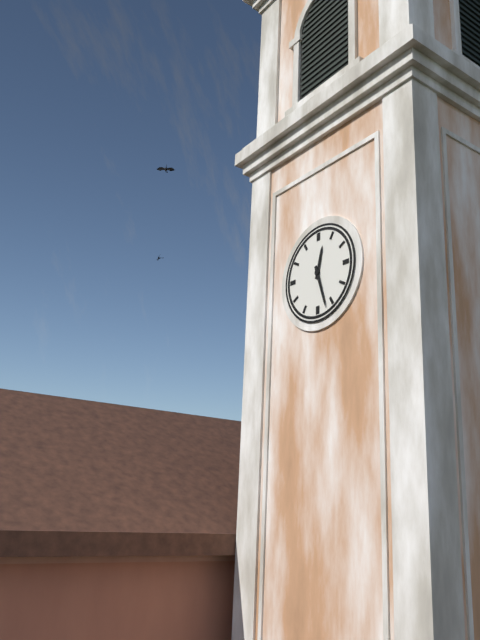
12:27
